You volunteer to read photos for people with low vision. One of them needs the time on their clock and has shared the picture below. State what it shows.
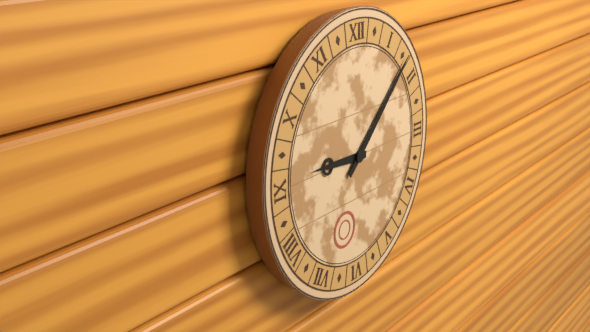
9:08
